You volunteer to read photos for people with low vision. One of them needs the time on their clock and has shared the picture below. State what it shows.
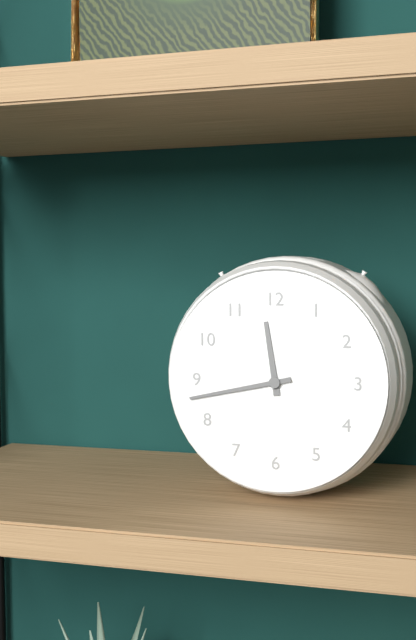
11:43
